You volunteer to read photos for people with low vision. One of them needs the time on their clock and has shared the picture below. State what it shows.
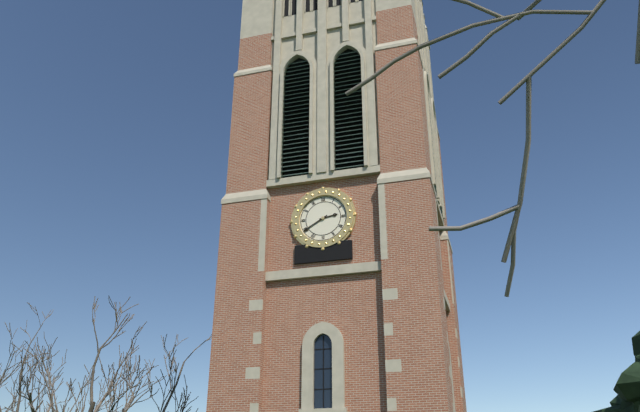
2:40
